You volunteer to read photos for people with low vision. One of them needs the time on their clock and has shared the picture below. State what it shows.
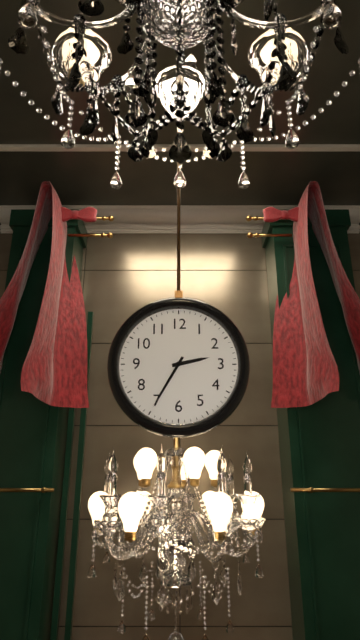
2:35
